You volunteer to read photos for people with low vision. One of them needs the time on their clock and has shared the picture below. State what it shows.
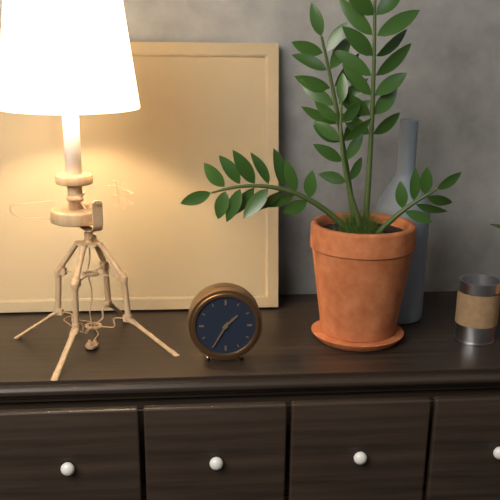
1:35
